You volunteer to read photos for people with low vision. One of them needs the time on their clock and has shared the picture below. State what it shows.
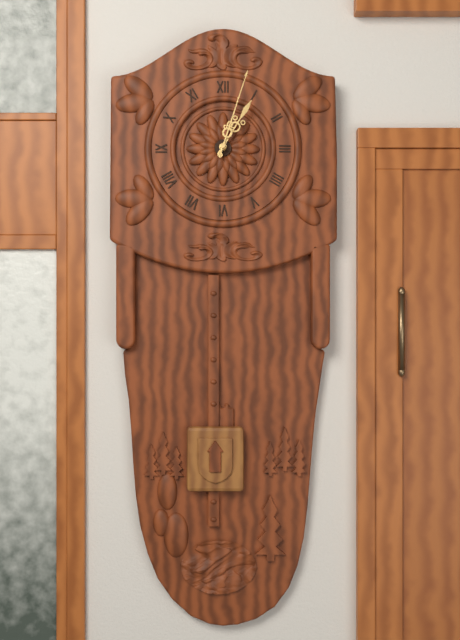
1:03
